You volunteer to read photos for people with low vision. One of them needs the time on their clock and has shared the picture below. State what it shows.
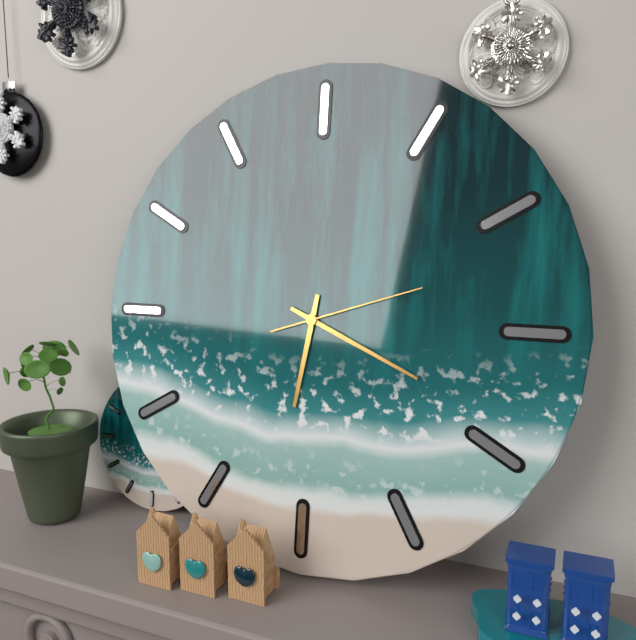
6:19:12
